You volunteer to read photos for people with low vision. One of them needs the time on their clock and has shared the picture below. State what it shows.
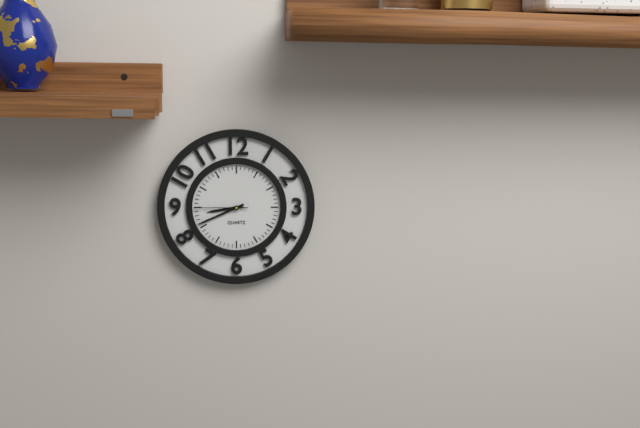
8:41:45
